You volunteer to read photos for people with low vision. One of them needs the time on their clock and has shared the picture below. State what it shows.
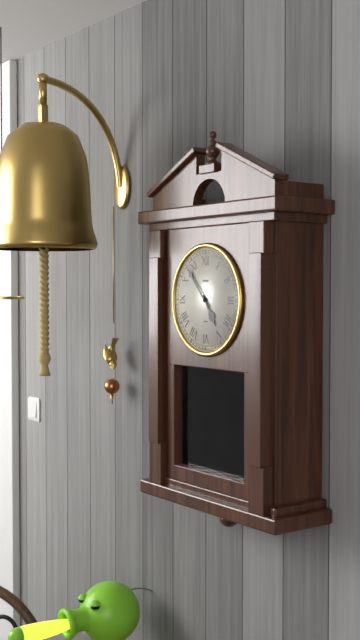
4:53
